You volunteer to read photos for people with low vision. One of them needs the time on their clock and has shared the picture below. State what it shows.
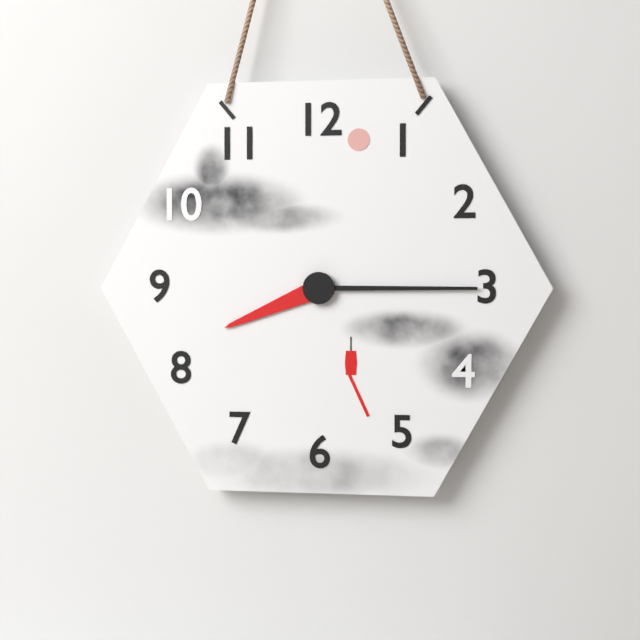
8:15
